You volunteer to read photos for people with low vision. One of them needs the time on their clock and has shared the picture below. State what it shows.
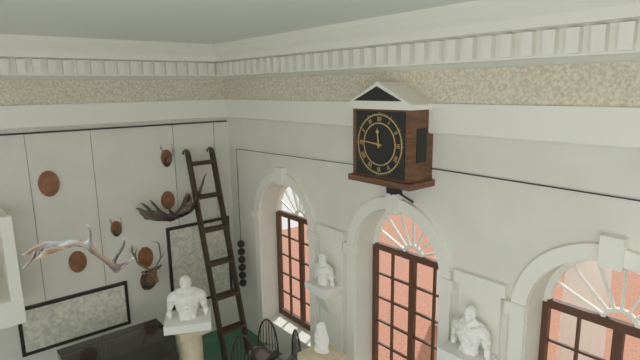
11:46
